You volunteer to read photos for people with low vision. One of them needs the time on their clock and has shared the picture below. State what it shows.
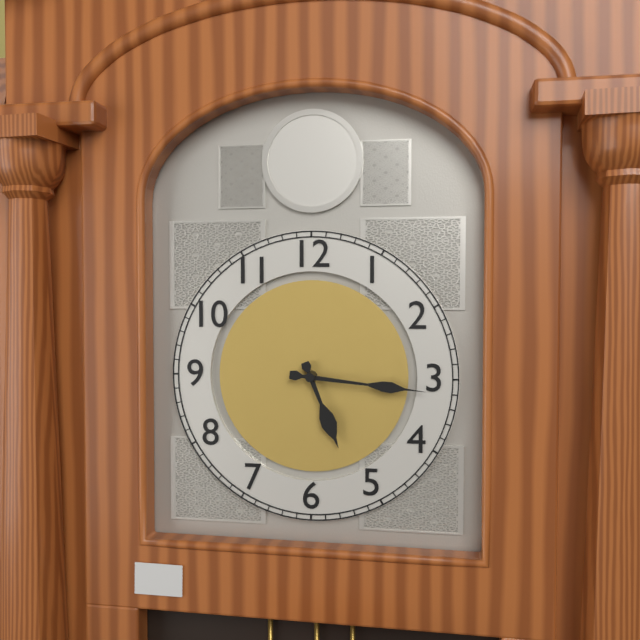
5:16
